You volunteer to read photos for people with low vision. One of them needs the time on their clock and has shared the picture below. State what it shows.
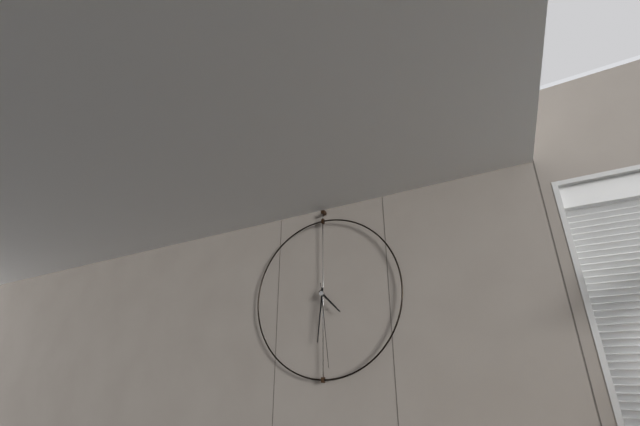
4:31:29
